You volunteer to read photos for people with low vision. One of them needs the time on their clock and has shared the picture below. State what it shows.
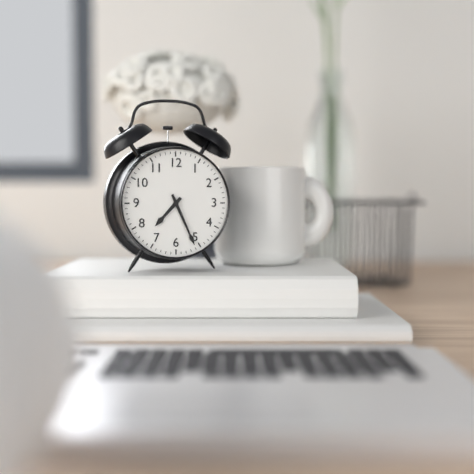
7:26
